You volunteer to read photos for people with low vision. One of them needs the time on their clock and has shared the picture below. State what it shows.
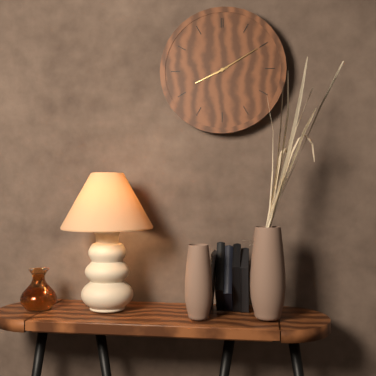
8:10
